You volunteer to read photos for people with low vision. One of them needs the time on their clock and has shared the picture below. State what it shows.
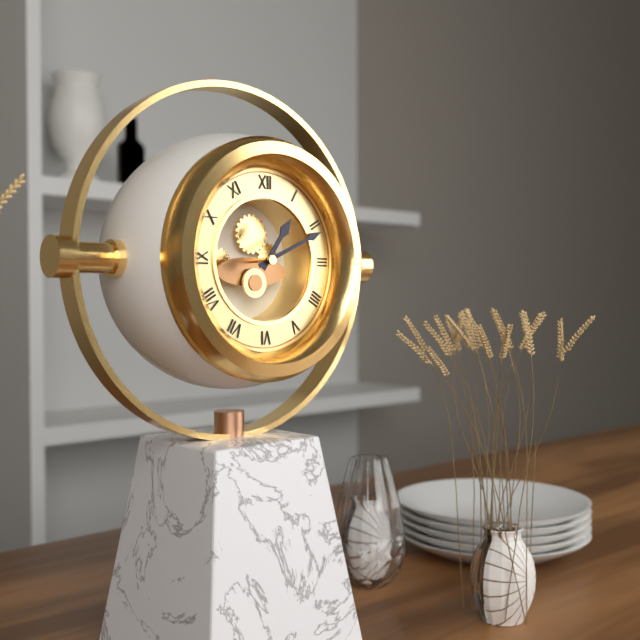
1:11
